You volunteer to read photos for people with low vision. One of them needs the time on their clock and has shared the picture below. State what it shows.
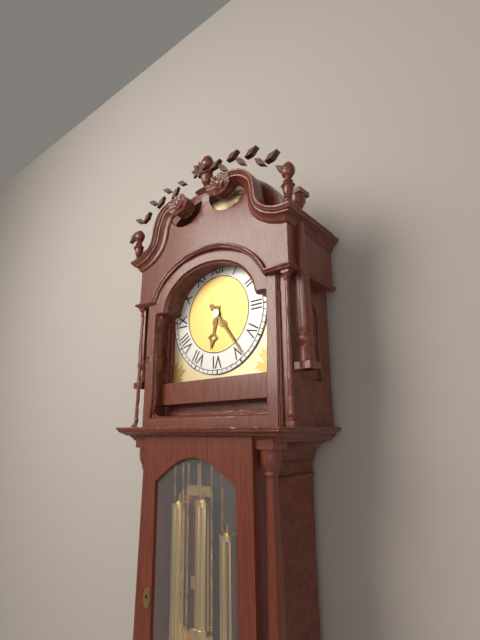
6:24
